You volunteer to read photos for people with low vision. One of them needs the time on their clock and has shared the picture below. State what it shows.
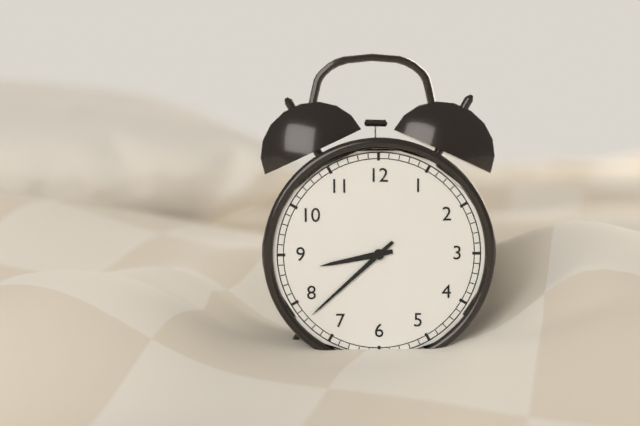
8:38
